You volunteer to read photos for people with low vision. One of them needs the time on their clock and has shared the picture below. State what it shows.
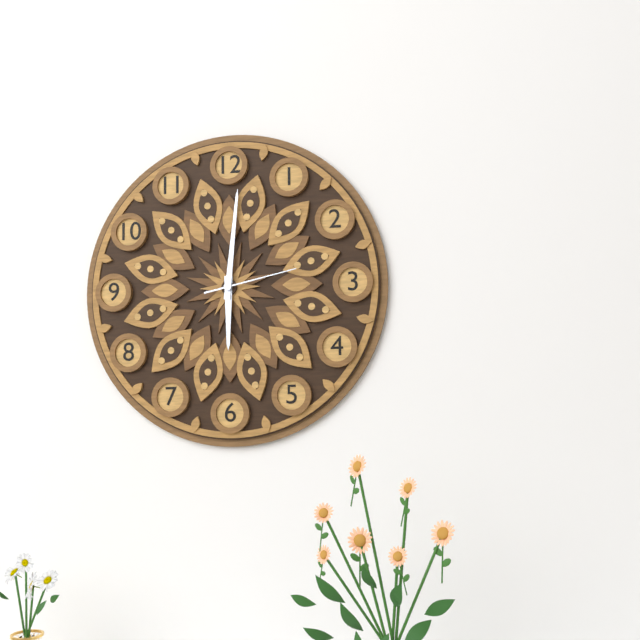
6:01:13
